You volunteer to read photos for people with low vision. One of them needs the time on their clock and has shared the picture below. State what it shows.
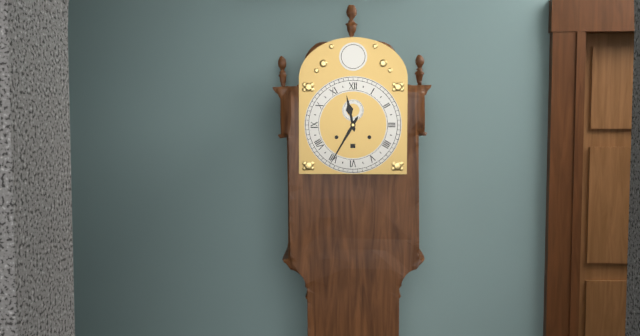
11:35
